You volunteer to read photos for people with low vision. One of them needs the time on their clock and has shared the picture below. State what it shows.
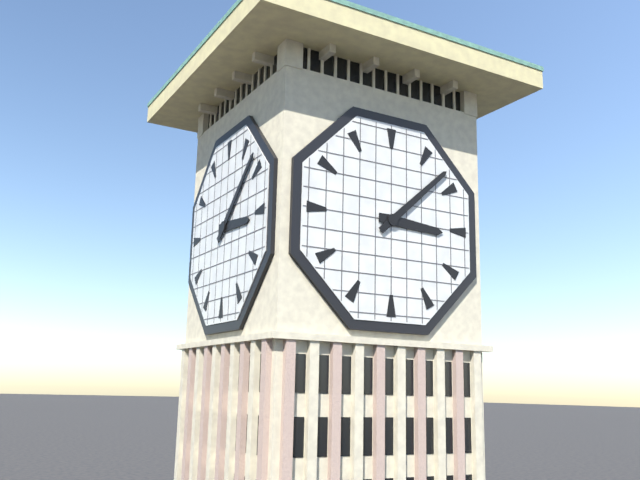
3:08
